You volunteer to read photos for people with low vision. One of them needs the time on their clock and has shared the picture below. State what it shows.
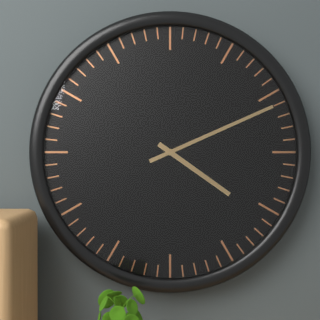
4:11
